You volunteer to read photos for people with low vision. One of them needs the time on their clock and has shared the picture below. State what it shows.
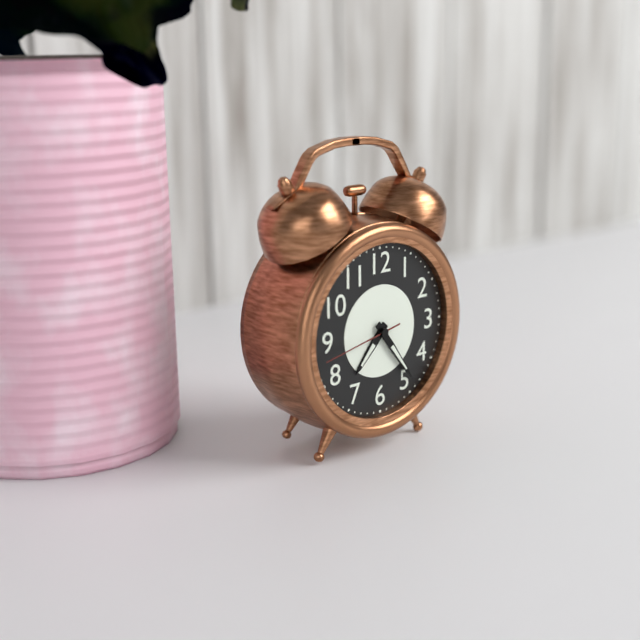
7:24:43
